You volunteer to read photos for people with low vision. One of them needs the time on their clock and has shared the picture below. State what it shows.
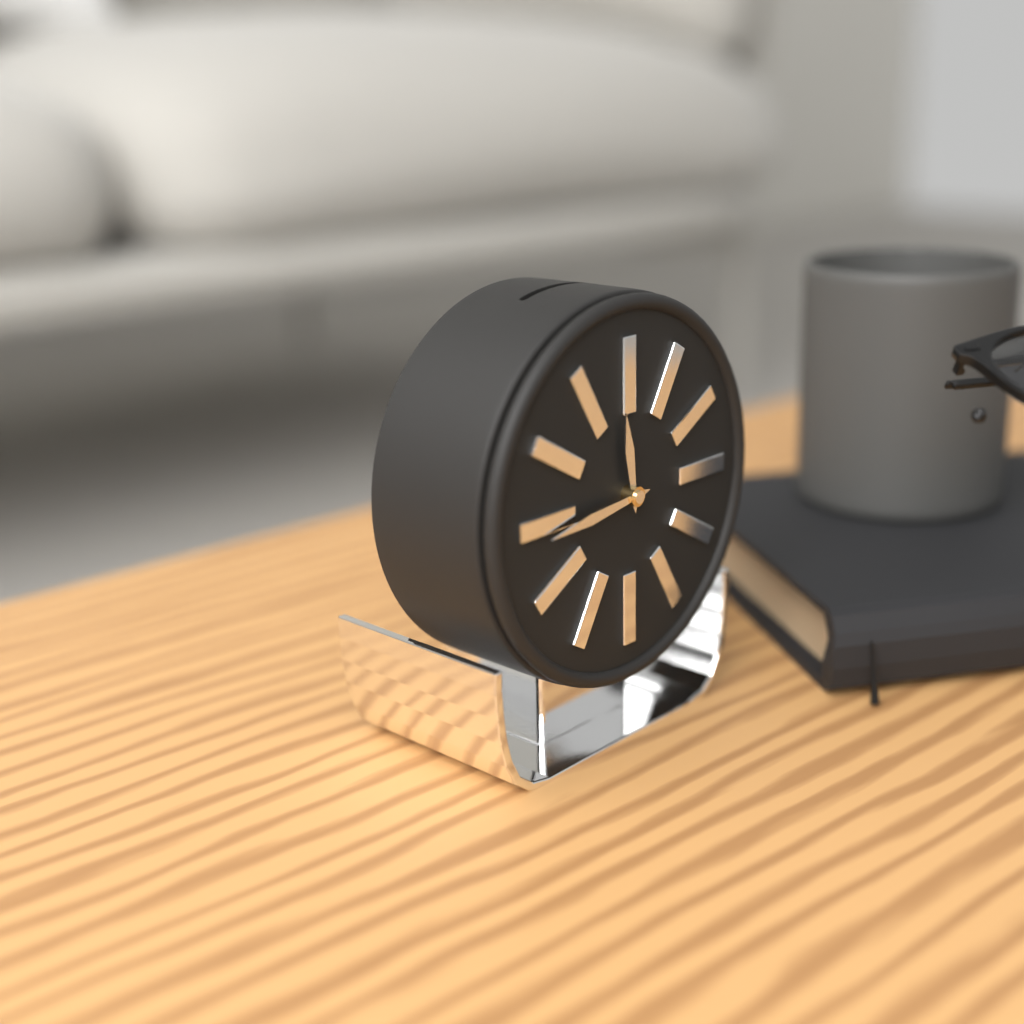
11:44
